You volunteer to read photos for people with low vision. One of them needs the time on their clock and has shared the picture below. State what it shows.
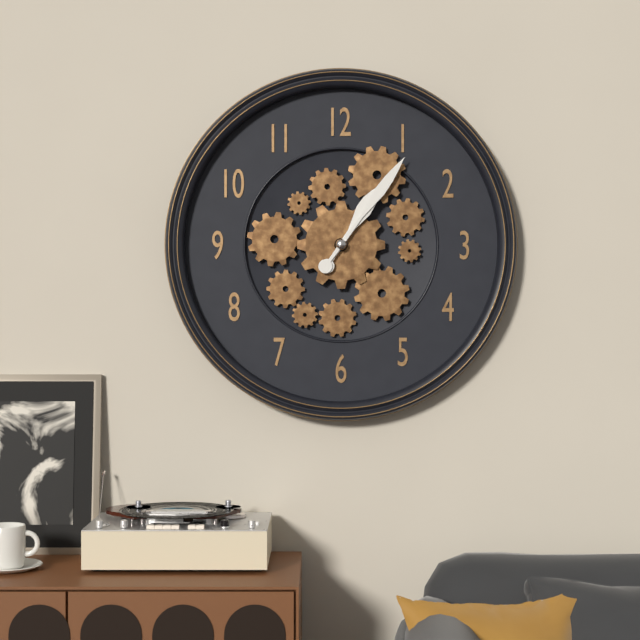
1:06
